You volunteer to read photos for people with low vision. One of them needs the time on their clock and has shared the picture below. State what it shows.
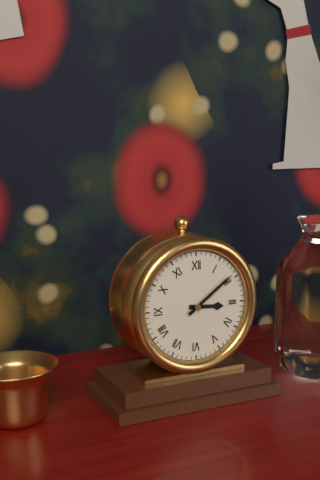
3:09
